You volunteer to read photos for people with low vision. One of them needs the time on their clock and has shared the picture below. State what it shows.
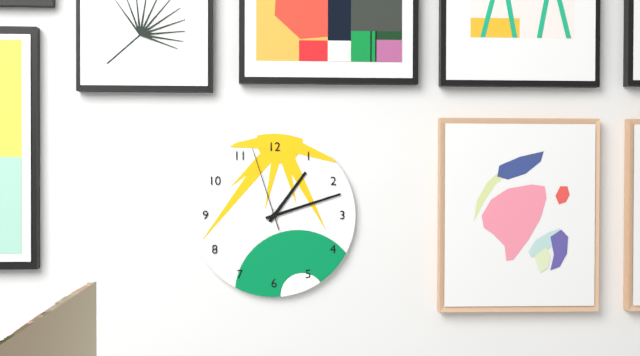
1:12:57
